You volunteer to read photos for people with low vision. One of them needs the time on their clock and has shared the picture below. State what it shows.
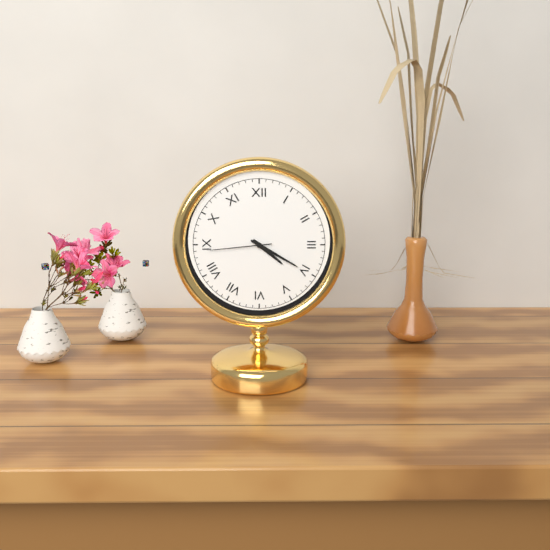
4:20:44
